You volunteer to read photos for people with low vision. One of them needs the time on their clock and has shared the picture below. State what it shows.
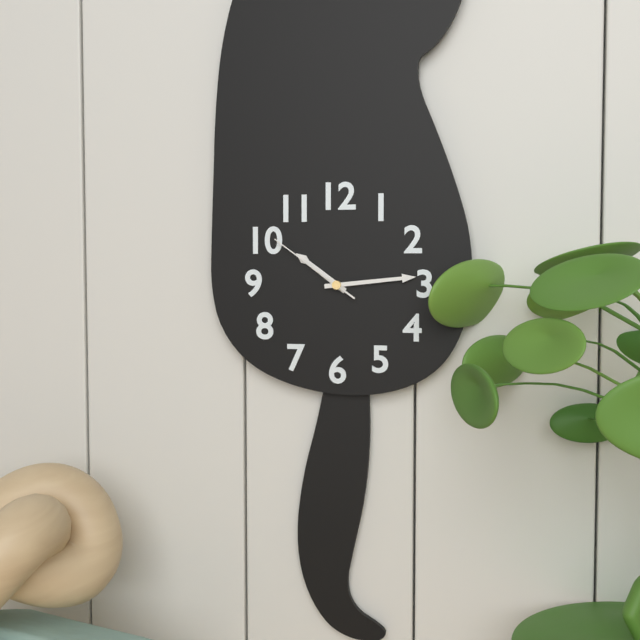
10:14:51
